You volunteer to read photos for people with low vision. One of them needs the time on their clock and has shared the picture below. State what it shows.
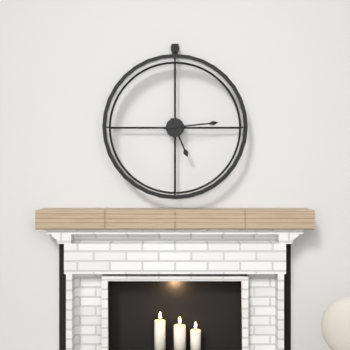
5:14
